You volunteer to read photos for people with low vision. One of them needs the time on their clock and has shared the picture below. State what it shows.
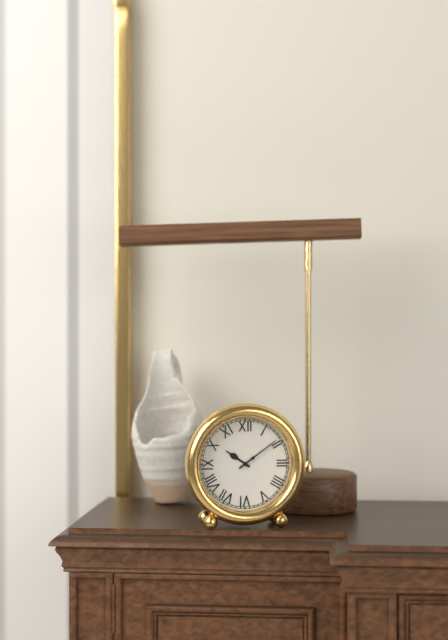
10:09
